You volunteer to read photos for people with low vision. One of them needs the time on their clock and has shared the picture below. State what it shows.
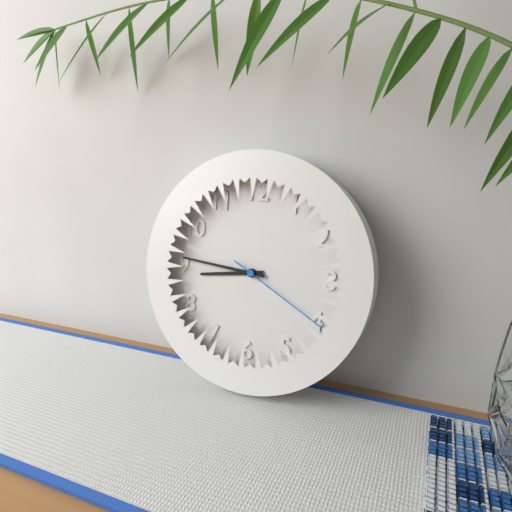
8:46:20
